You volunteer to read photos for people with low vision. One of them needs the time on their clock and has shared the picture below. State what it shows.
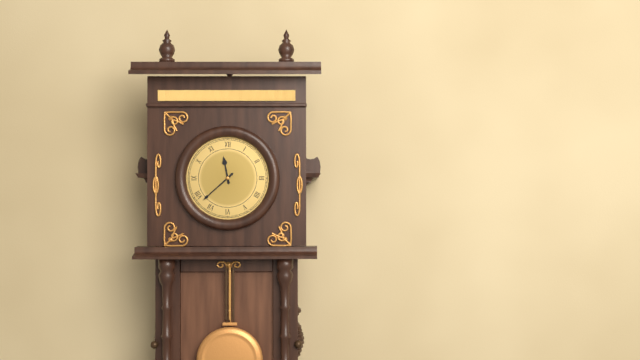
11:38
